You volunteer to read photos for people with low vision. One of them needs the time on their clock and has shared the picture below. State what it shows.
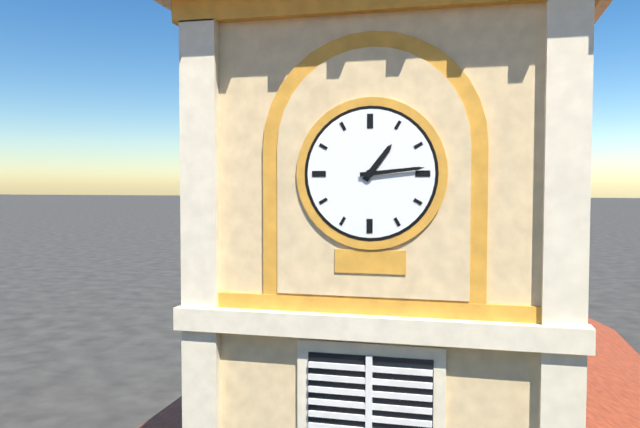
1:14
